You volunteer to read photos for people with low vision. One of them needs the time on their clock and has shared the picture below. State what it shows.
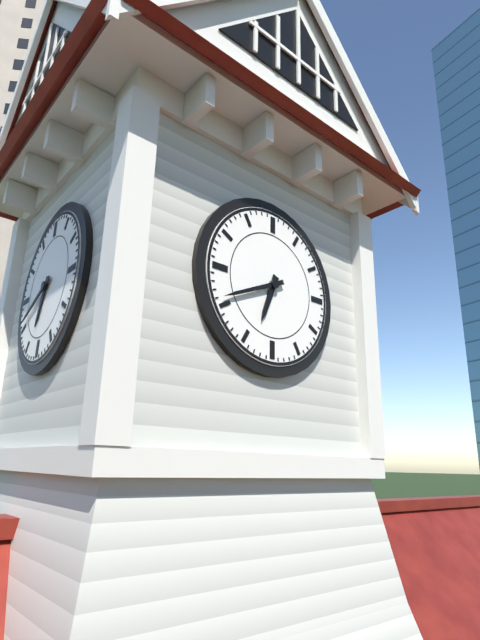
6:41
